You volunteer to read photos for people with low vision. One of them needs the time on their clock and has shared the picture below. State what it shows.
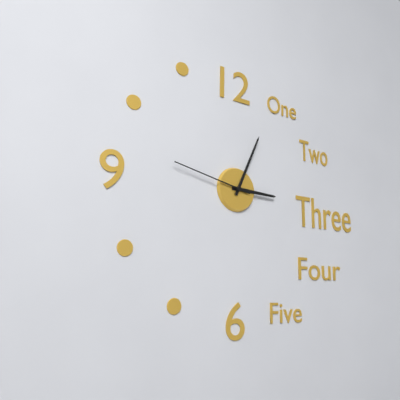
3:04:47
